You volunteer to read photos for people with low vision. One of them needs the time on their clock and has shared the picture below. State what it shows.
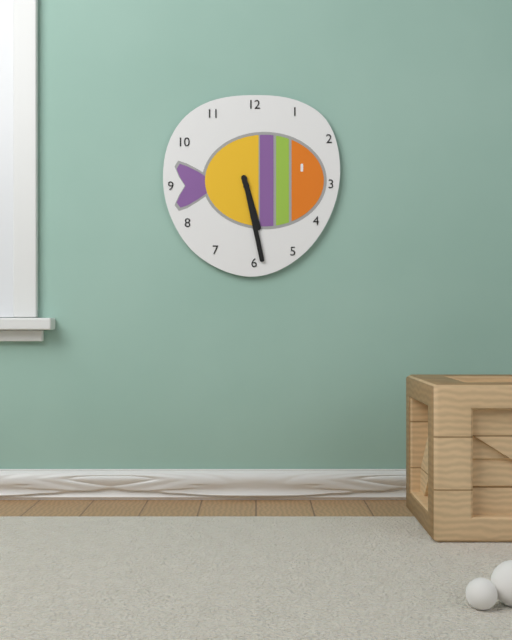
5:28
